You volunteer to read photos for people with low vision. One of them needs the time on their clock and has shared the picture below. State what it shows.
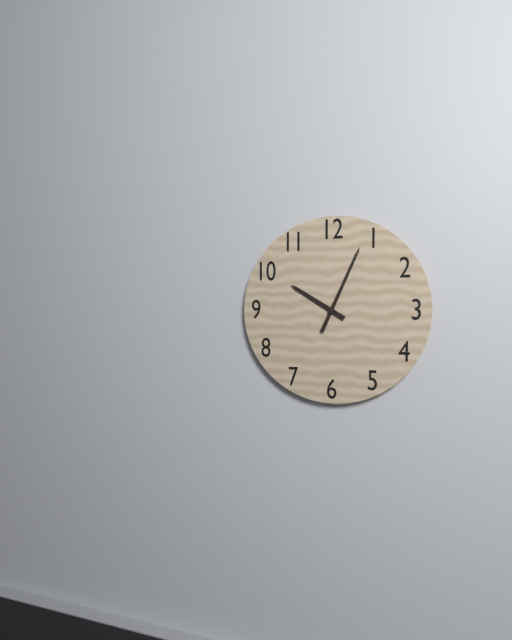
10:04
